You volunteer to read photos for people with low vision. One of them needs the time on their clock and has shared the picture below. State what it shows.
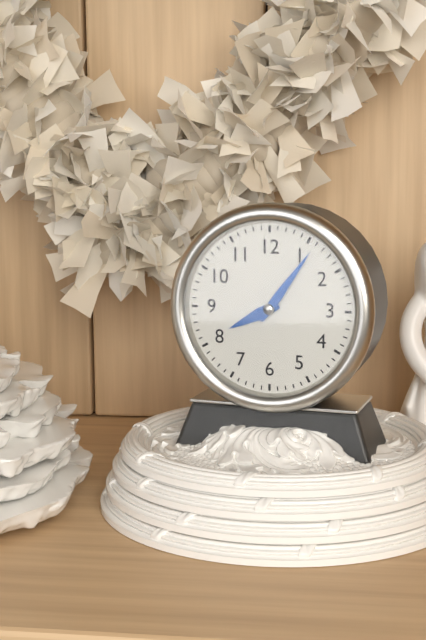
8:06
